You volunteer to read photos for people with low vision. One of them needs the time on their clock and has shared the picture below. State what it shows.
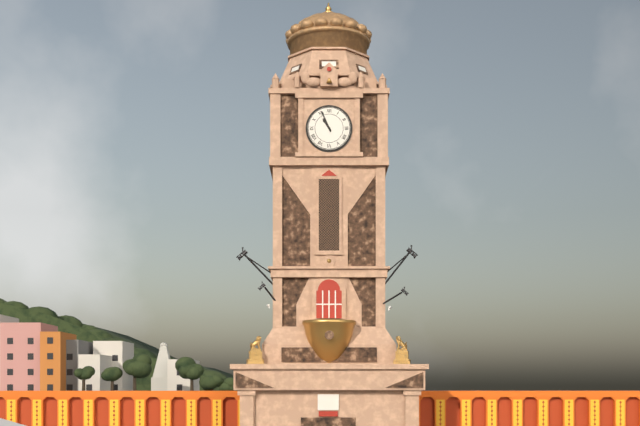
10:56
